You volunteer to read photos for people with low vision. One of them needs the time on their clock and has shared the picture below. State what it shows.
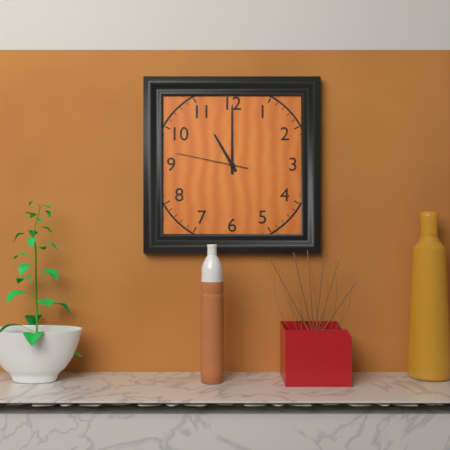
11:00:47
